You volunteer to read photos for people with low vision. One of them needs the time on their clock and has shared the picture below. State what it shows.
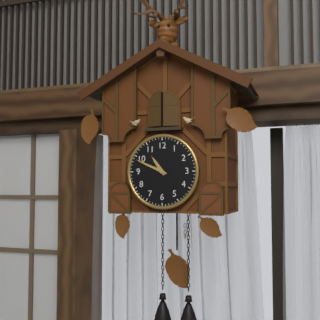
10:49
